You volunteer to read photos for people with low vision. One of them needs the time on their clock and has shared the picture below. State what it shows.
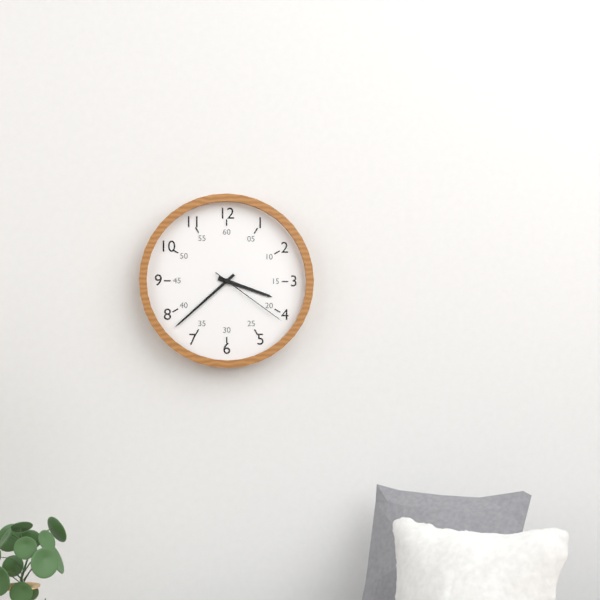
3:38:21
